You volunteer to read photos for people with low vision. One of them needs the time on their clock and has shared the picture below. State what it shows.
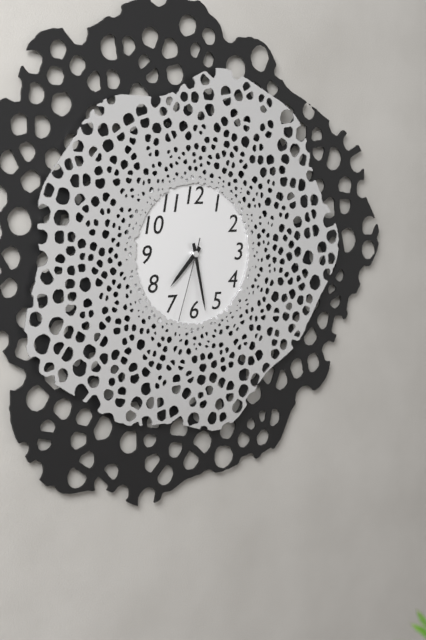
7:28:33
